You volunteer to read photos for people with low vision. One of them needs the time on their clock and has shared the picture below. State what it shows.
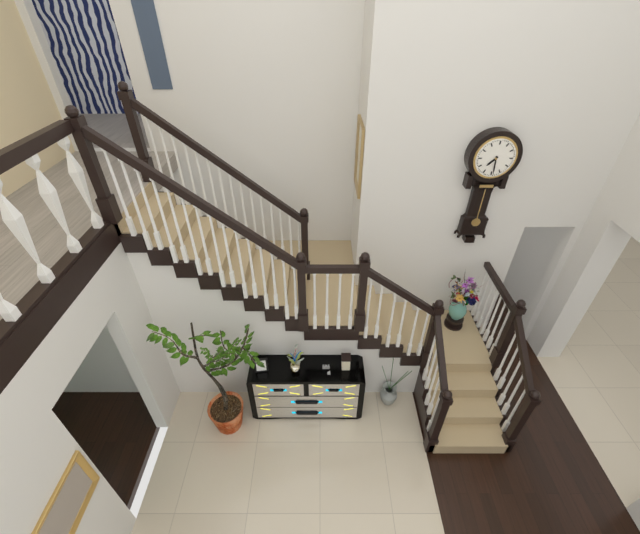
7:29
